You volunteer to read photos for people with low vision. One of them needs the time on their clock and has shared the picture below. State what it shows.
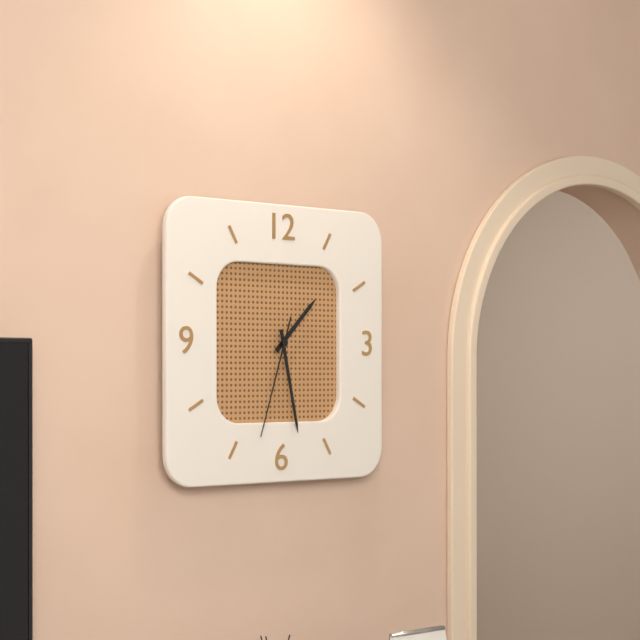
1:28:33
